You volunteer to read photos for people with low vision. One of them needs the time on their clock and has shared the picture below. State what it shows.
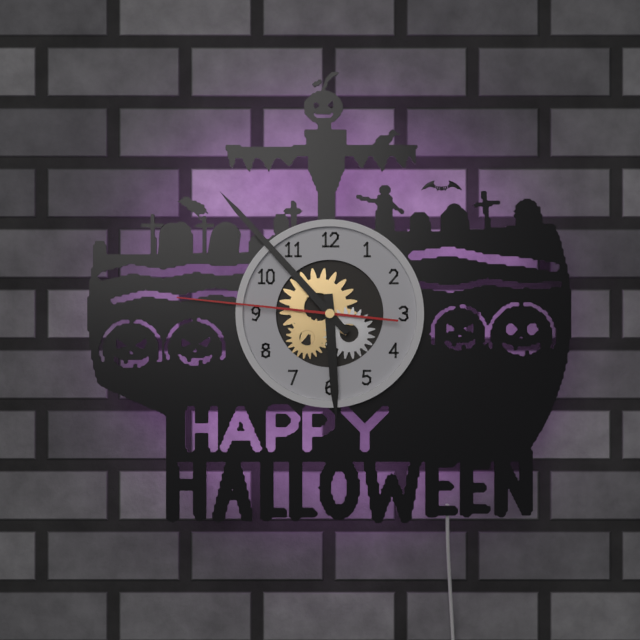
5:53:46
